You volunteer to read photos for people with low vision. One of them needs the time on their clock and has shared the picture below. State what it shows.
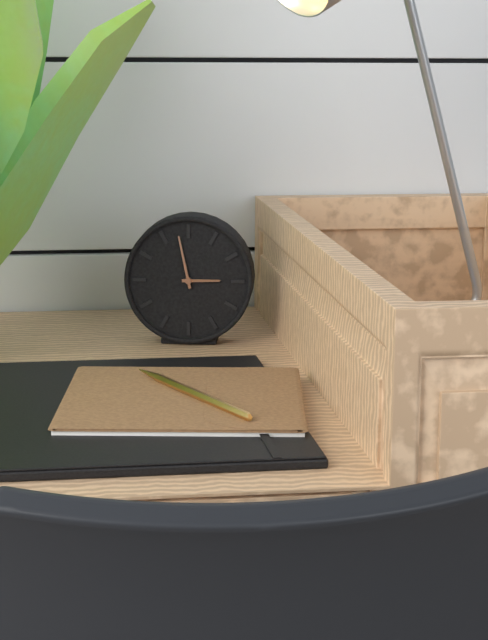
2:58
